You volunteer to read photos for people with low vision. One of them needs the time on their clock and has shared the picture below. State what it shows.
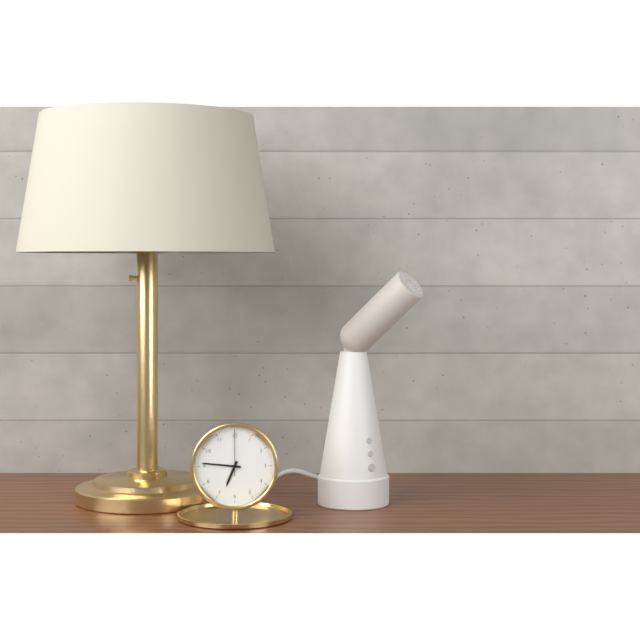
6:46
